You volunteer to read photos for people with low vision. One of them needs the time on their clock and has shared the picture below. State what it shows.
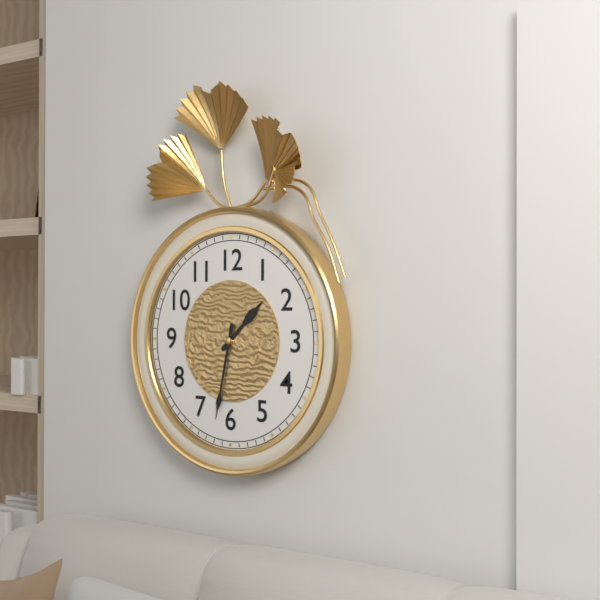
1:32
